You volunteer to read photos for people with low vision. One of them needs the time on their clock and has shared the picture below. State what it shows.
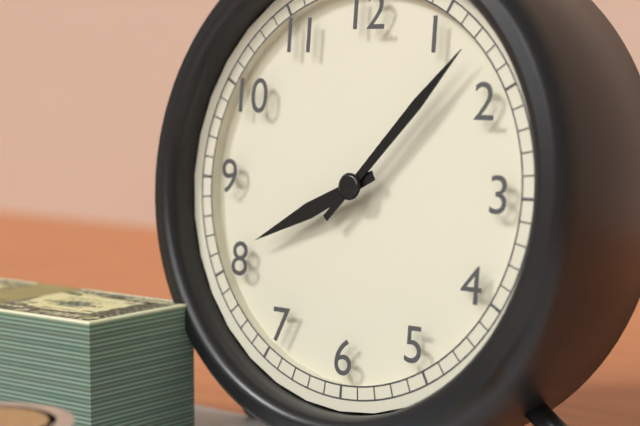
8:07
